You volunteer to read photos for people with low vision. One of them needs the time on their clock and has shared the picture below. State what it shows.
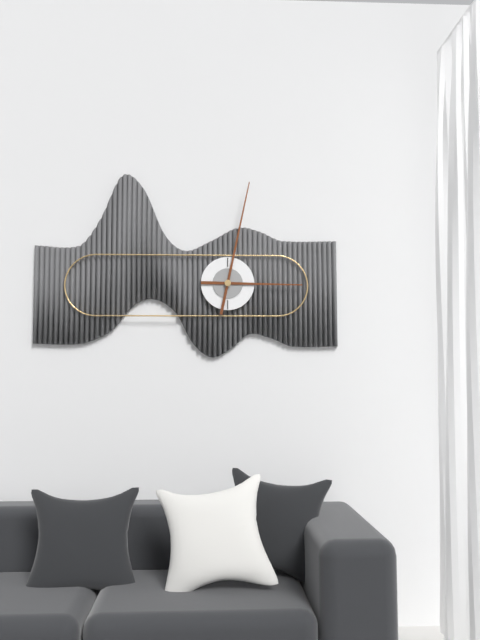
3:02
